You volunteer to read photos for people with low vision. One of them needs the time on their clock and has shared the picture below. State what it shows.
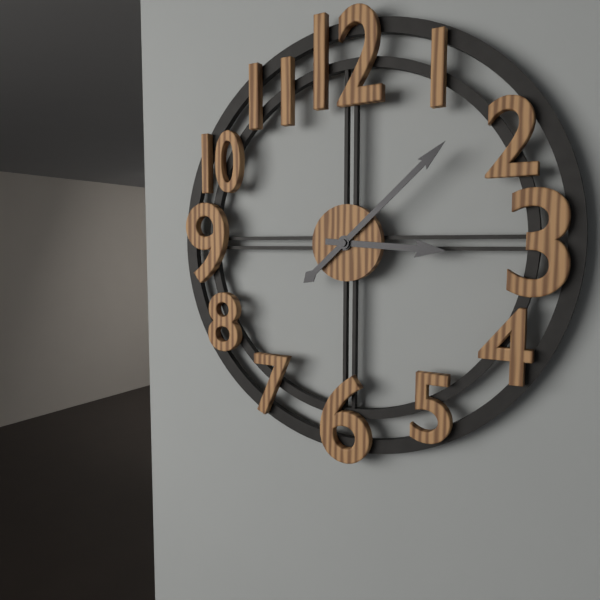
3:08
